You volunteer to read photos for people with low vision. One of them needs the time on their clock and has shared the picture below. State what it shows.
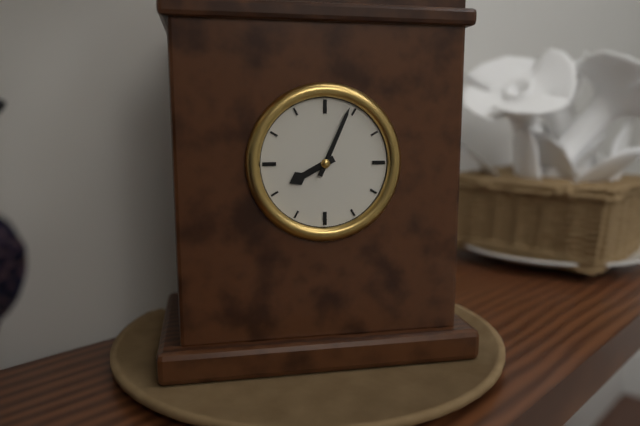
8:04
